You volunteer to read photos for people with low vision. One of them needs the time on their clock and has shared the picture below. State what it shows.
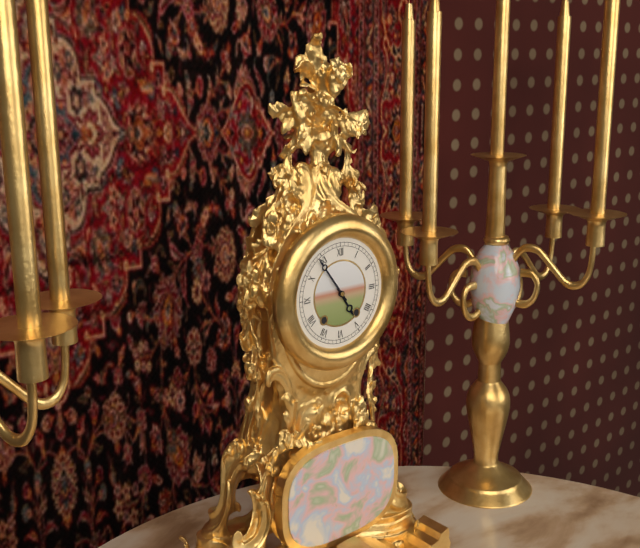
4:54
